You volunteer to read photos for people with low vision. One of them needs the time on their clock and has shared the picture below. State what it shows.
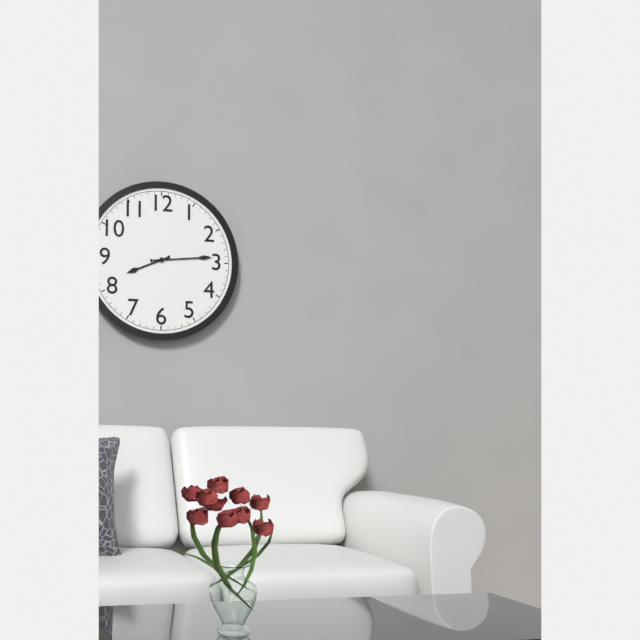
8:14
